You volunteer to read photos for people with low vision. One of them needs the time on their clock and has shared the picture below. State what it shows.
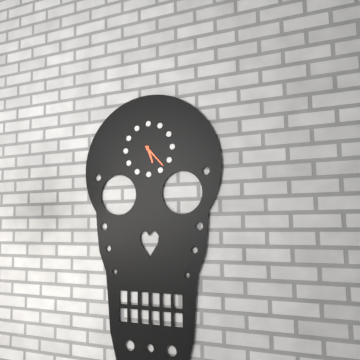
5:23
